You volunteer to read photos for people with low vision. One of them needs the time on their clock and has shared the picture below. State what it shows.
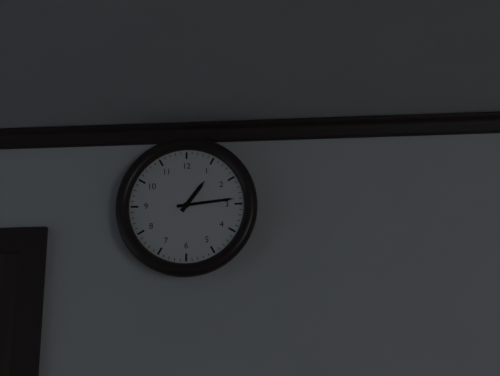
1:14
